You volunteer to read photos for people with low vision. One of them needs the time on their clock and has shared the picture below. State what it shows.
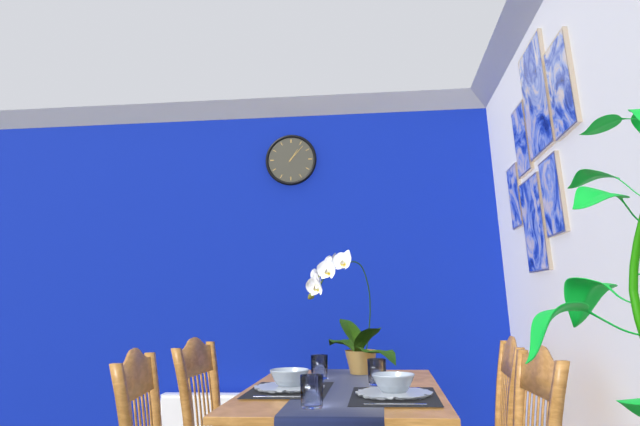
1:07
